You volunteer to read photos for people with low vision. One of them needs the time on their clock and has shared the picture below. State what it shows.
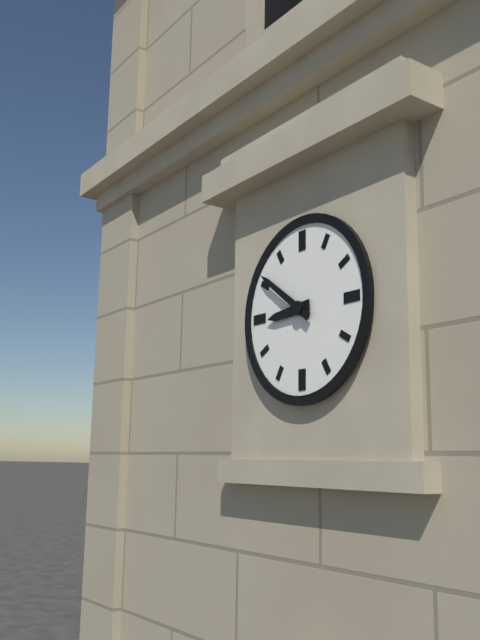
8:51
